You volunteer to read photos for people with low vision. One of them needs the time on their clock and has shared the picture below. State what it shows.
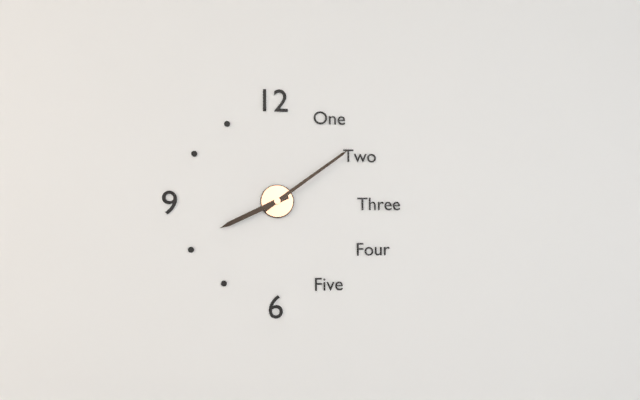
8:09
